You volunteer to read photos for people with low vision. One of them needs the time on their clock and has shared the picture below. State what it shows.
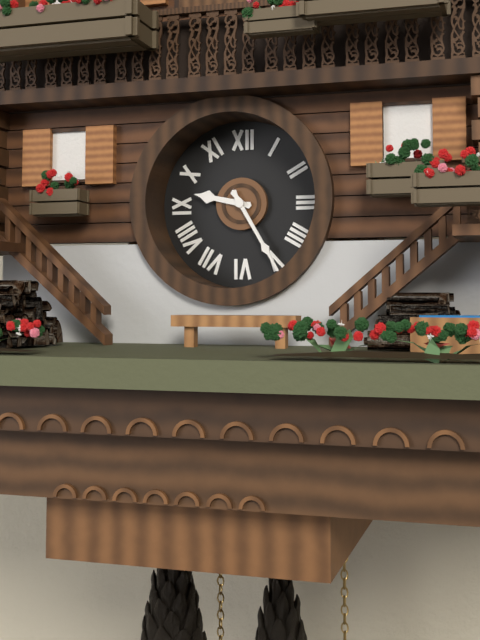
9:25
